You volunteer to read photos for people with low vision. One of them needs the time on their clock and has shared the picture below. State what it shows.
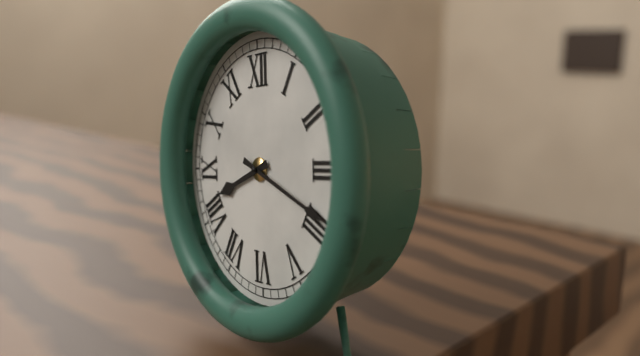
8:19
